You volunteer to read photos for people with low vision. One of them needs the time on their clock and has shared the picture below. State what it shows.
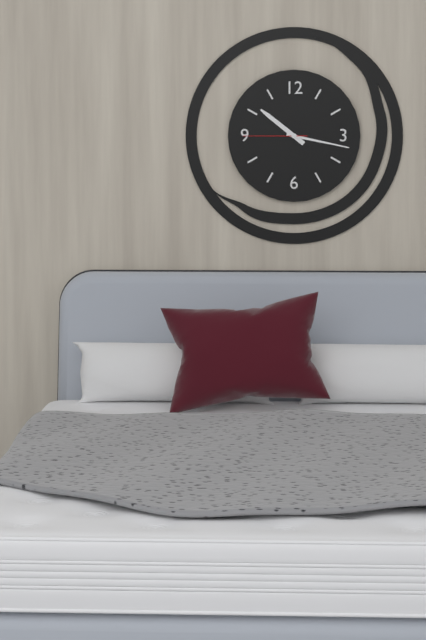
10:17:45
